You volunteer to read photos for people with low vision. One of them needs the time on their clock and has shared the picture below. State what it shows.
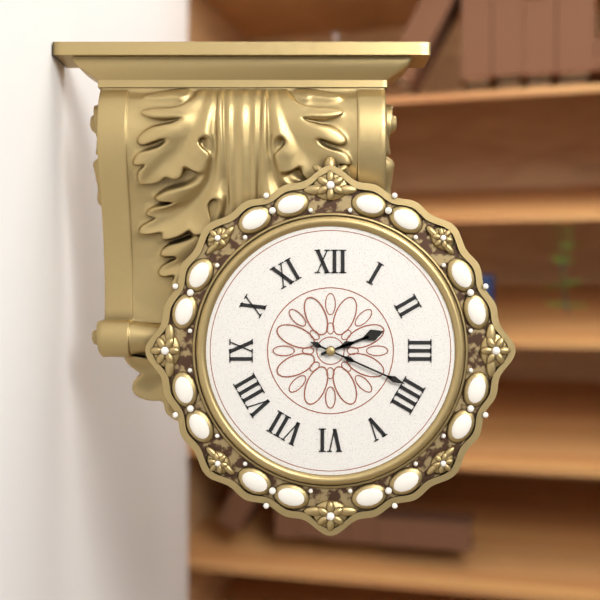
2:19
